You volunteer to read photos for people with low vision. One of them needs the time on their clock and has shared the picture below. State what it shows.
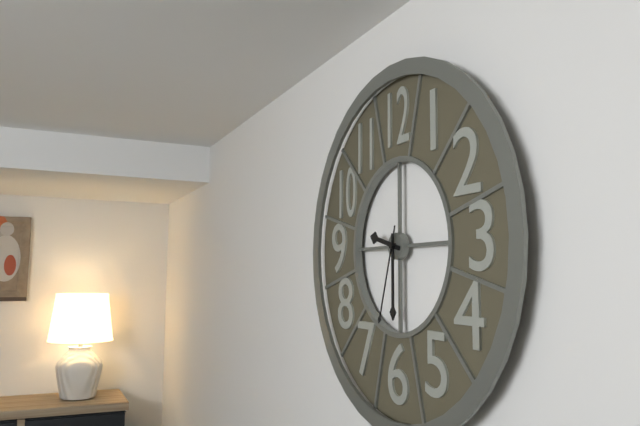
9:30:33
